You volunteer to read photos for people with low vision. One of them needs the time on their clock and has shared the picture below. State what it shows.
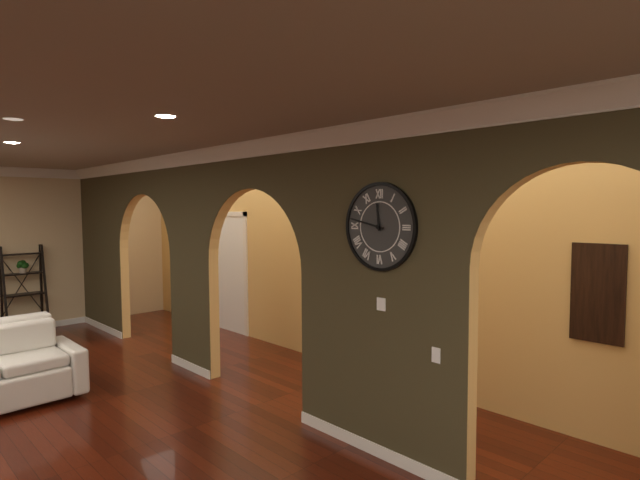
11:47
